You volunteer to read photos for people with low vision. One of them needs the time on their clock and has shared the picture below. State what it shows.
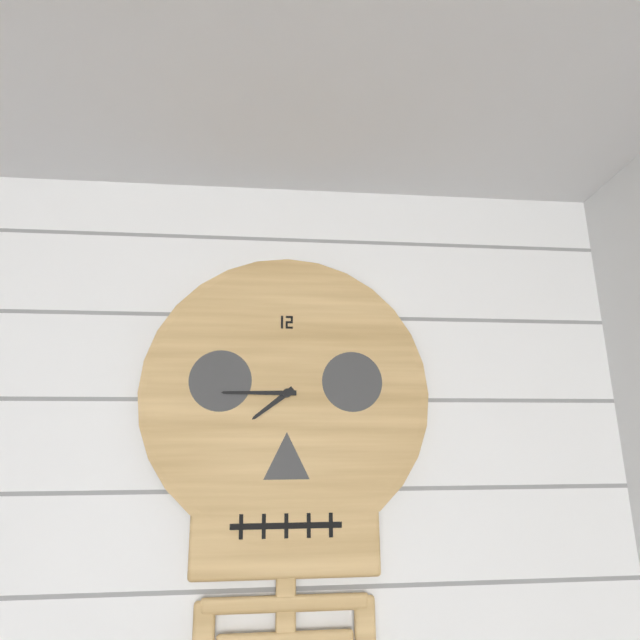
7:45
